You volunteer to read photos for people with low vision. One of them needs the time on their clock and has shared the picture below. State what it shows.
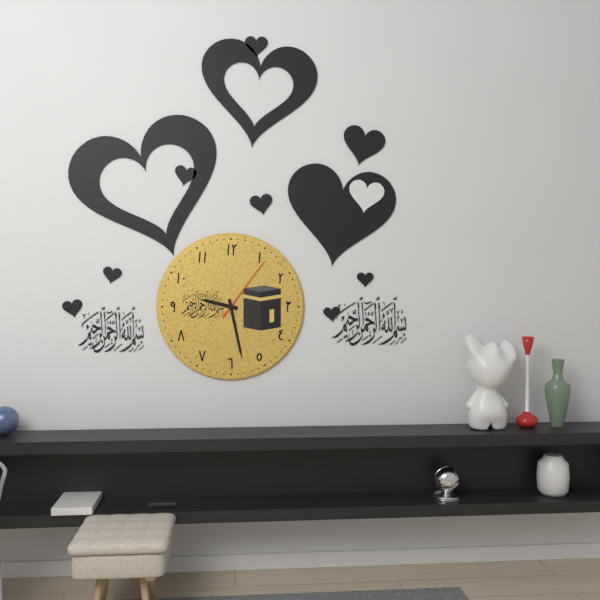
9:28:06
